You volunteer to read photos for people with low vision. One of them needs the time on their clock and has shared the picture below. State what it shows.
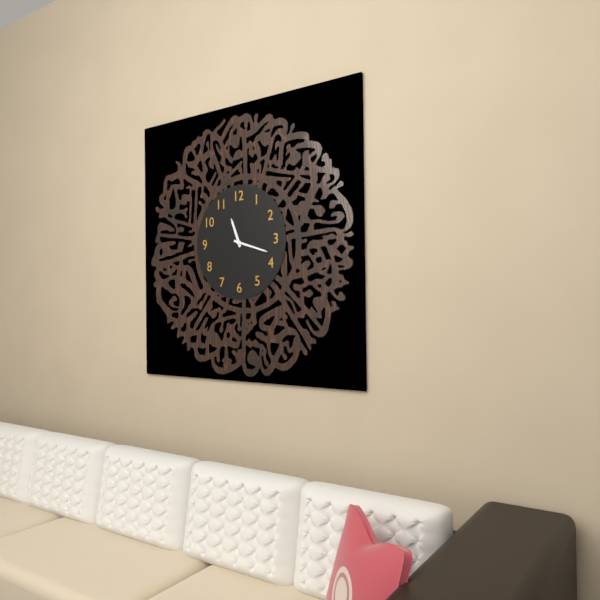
11:18
